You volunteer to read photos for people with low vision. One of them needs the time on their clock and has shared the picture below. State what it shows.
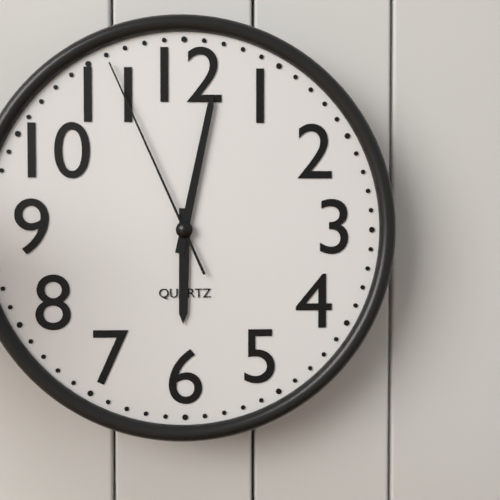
6:02:56
